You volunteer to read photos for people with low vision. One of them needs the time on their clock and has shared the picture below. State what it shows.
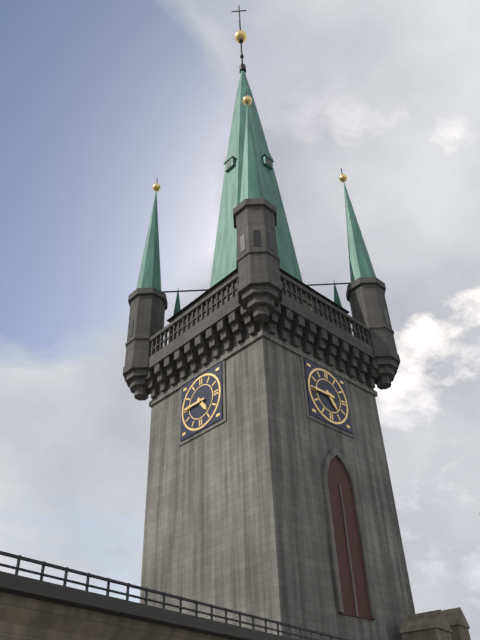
4:45
